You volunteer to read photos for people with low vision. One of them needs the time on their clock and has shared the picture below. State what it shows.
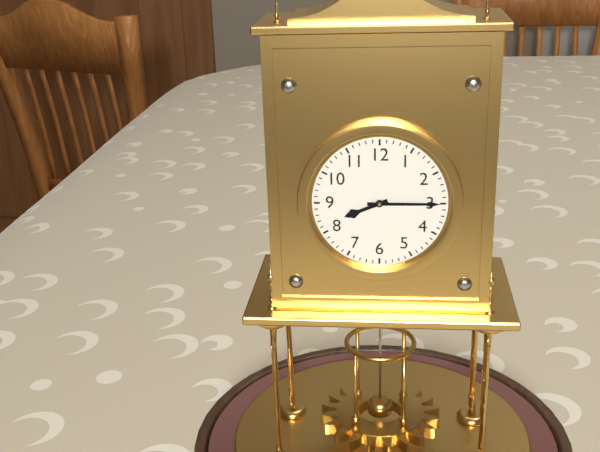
8:15
